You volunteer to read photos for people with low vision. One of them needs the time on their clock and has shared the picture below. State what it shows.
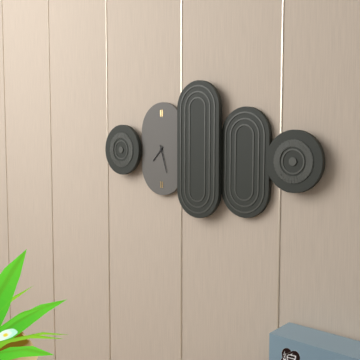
7:27
